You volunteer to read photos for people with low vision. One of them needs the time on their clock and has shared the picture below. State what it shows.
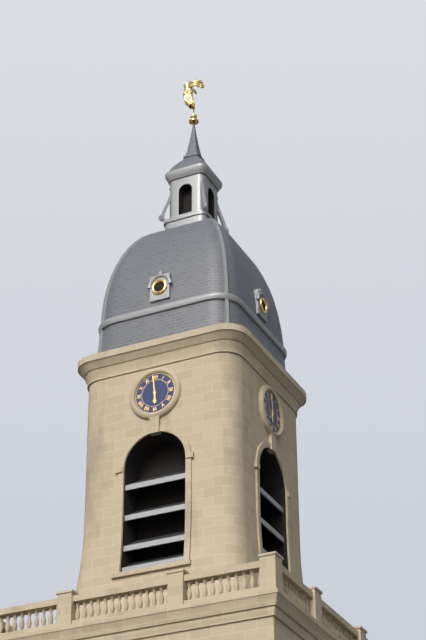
5:59
